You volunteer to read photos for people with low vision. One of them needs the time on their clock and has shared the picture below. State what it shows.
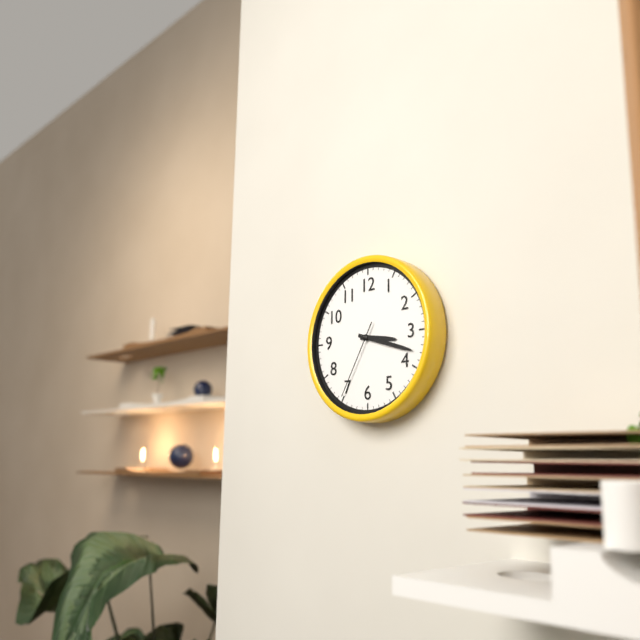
3:18:35
